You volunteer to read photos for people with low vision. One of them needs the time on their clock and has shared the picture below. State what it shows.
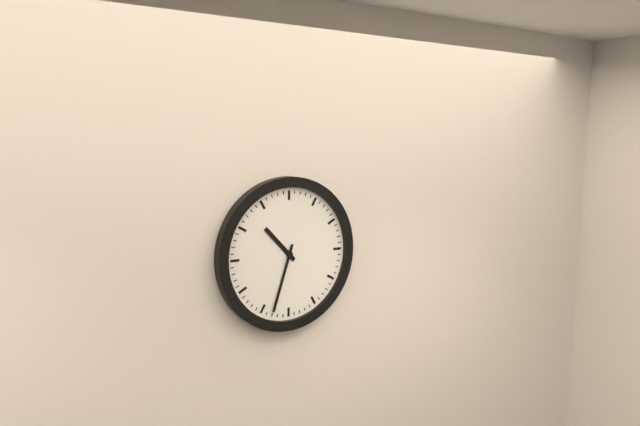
10:33
